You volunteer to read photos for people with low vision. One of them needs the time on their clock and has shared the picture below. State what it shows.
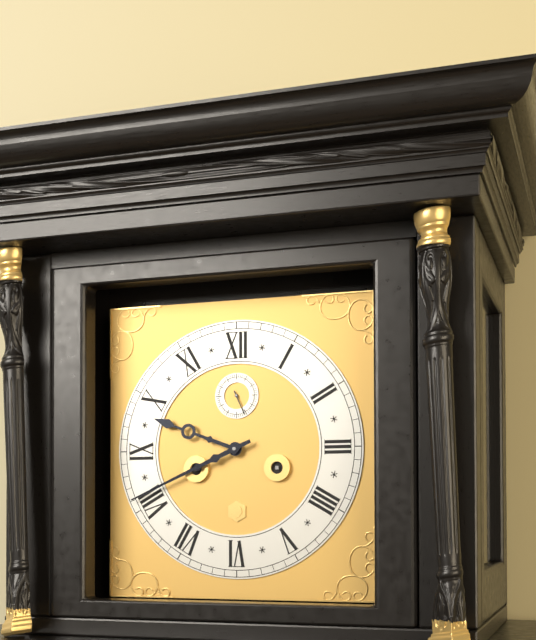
9:41
